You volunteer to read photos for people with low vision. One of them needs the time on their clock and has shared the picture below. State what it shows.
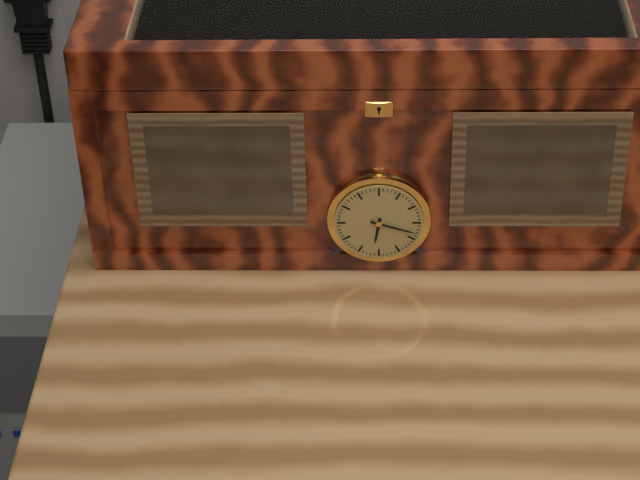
6:18
